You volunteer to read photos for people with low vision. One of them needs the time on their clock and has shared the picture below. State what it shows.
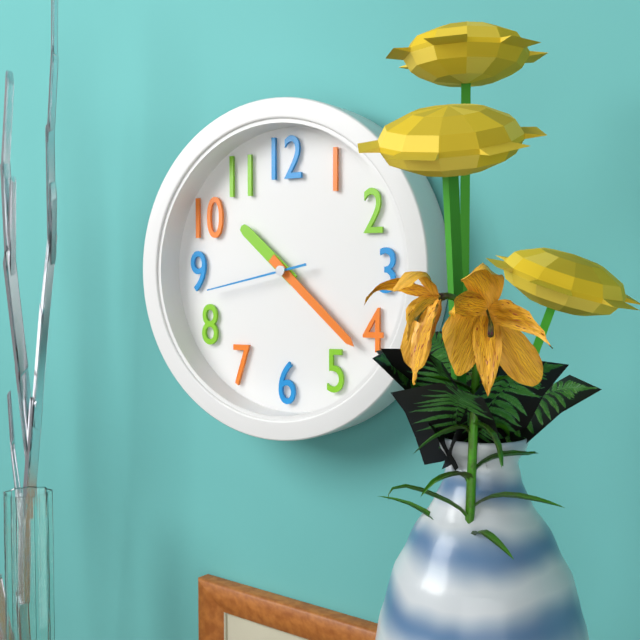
10:22:43
